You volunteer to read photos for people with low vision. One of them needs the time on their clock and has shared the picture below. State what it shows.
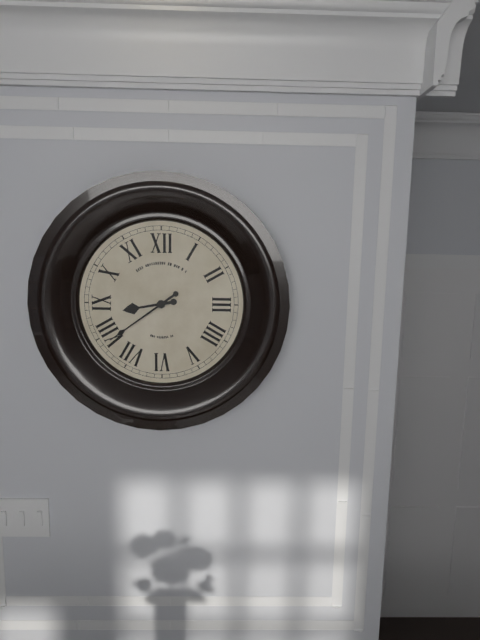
8:39
